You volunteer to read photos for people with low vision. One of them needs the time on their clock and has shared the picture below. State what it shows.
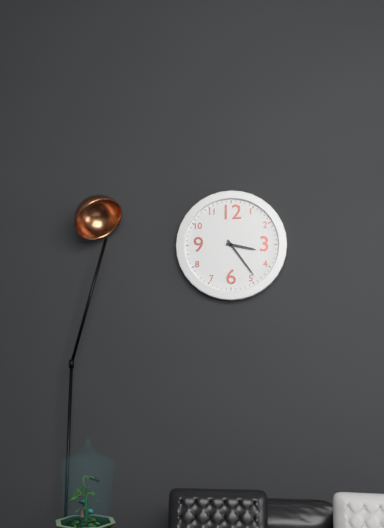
3:24
